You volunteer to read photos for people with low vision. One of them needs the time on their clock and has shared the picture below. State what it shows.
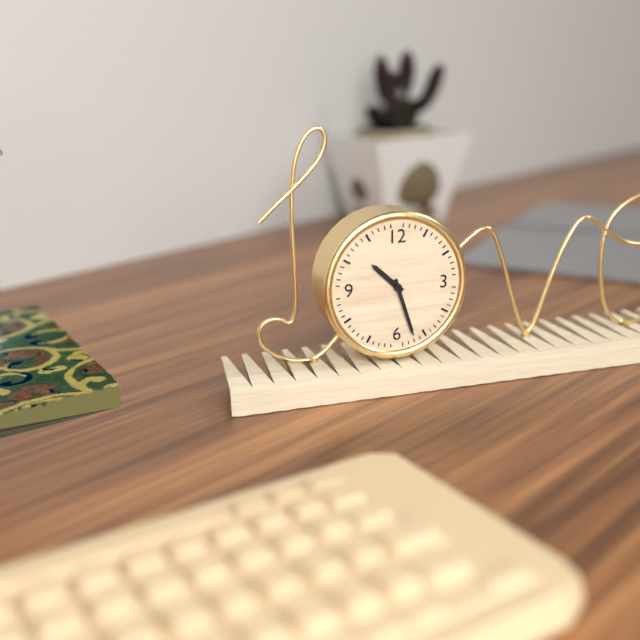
10:27
